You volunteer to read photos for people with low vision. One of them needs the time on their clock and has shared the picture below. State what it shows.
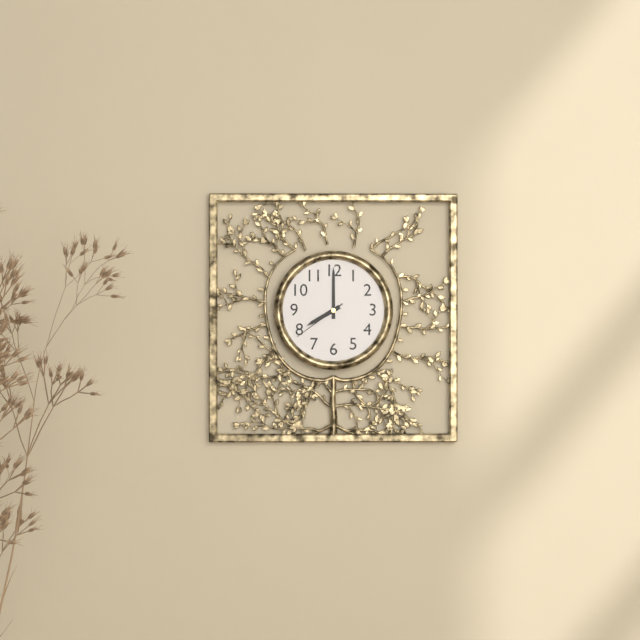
8:00:39
